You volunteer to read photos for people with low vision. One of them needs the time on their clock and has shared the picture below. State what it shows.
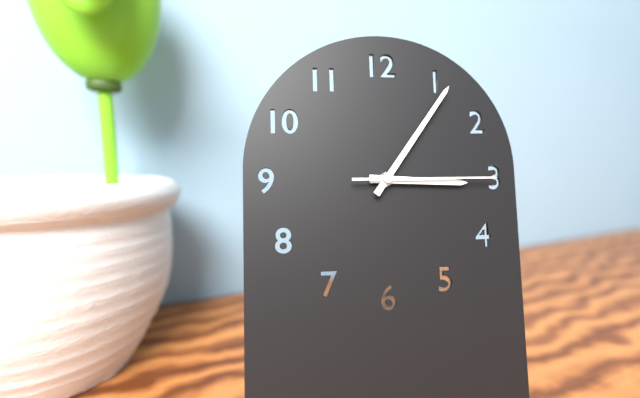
3:06:15
